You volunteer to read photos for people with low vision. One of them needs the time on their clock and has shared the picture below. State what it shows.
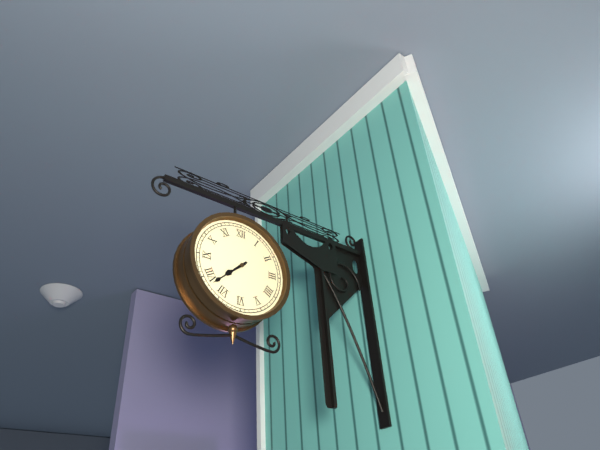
7:38
